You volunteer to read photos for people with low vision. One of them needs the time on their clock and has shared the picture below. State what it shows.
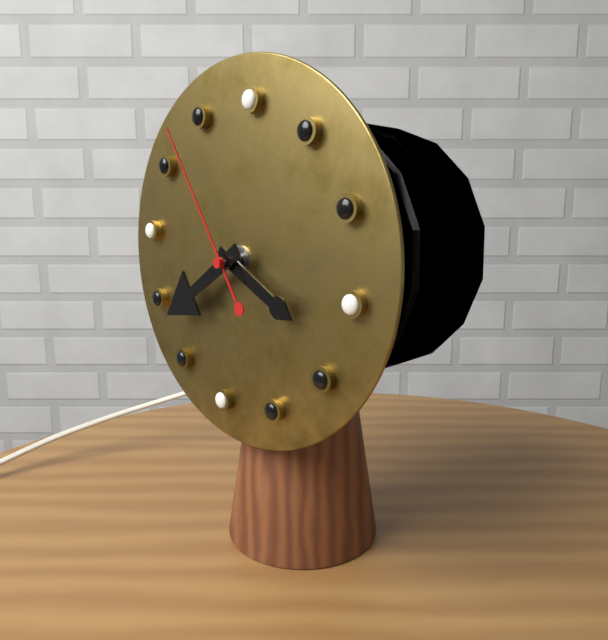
3:38:53
